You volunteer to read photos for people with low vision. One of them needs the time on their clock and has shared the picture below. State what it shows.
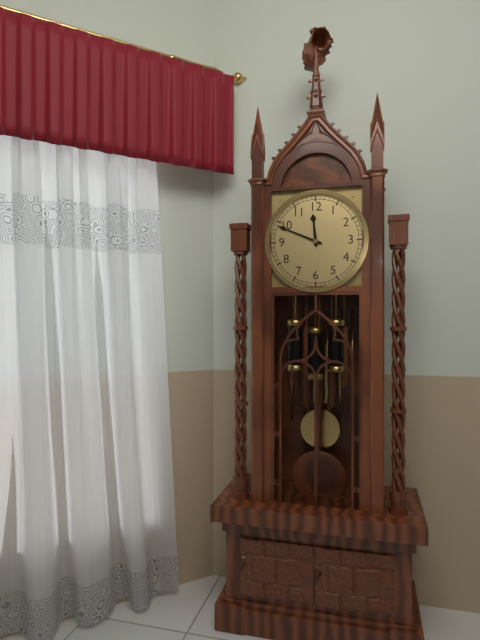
11:49
